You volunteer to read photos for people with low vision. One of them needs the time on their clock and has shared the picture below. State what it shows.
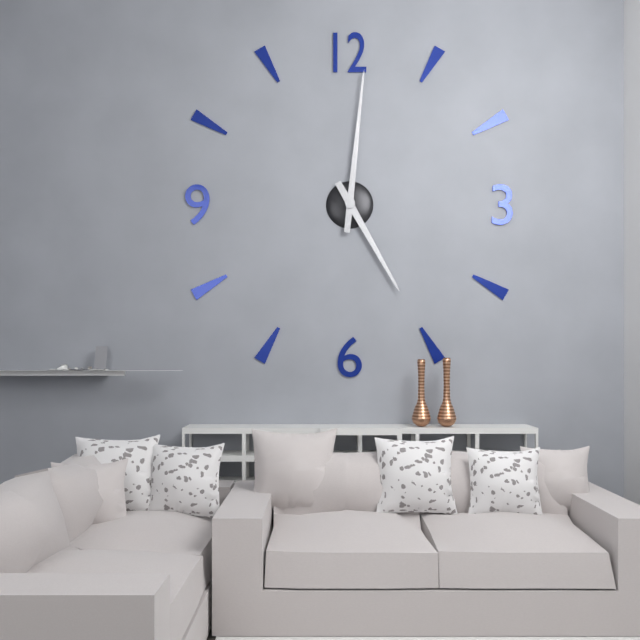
5:01
